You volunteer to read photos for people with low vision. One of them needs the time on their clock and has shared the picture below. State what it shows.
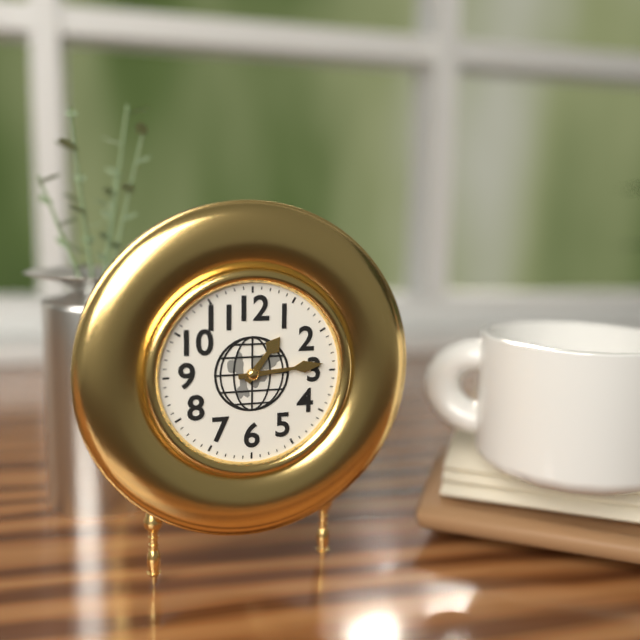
1:14
